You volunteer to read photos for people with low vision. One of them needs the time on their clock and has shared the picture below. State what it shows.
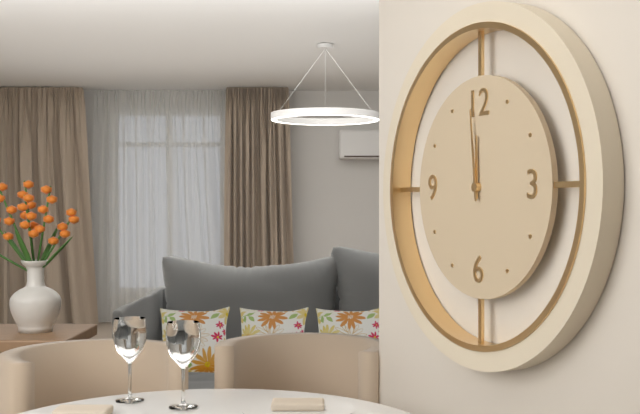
11:59
